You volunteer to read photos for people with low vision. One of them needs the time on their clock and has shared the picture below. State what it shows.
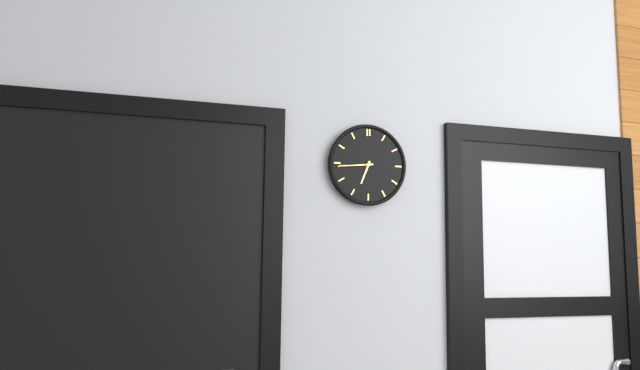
6:44
